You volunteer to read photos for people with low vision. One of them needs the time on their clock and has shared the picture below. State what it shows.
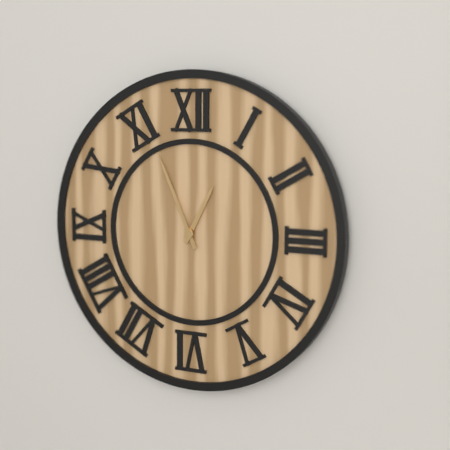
12:56
